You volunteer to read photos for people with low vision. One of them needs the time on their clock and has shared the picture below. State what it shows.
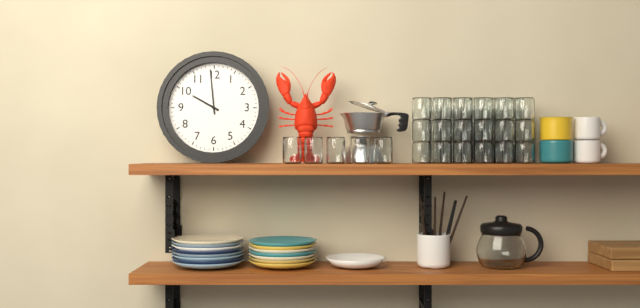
9:59
